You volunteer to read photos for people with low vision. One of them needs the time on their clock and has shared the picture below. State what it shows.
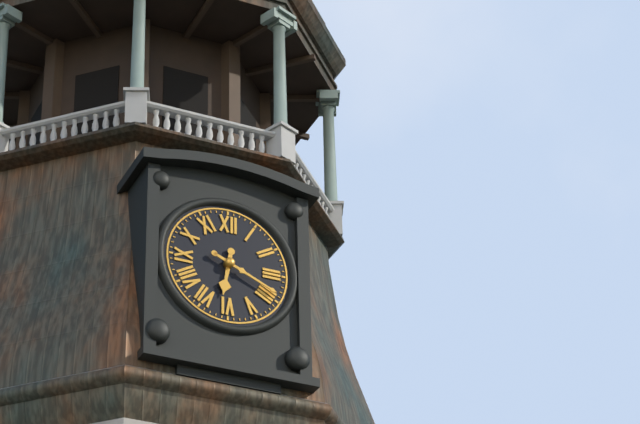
6:19
